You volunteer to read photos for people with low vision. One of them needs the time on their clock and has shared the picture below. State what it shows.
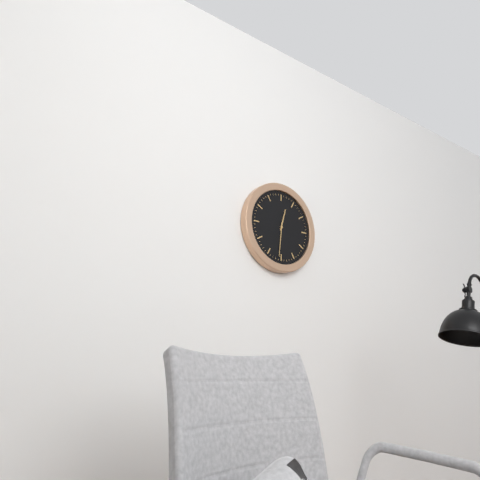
12:31
